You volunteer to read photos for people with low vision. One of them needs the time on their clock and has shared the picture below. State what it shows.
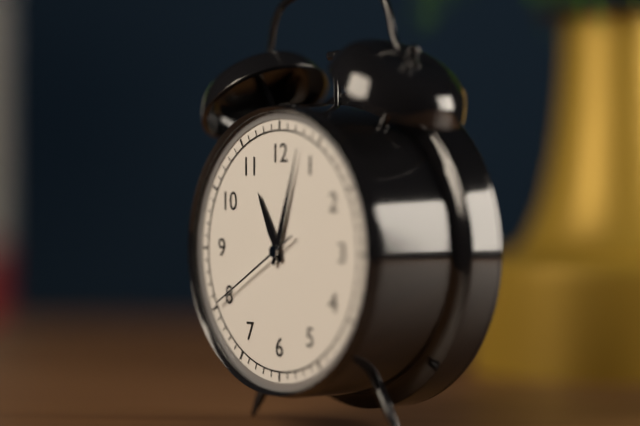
11:03:40
